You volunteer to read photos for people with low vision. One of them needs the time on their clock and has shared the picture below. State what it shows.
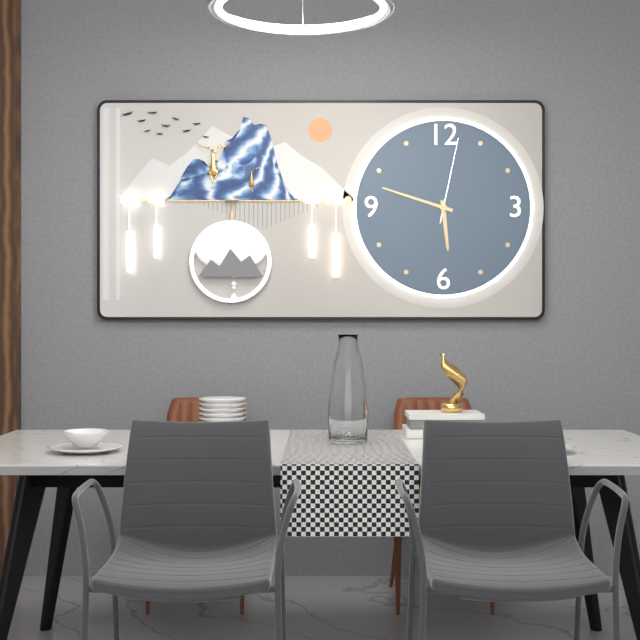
5:48:02
